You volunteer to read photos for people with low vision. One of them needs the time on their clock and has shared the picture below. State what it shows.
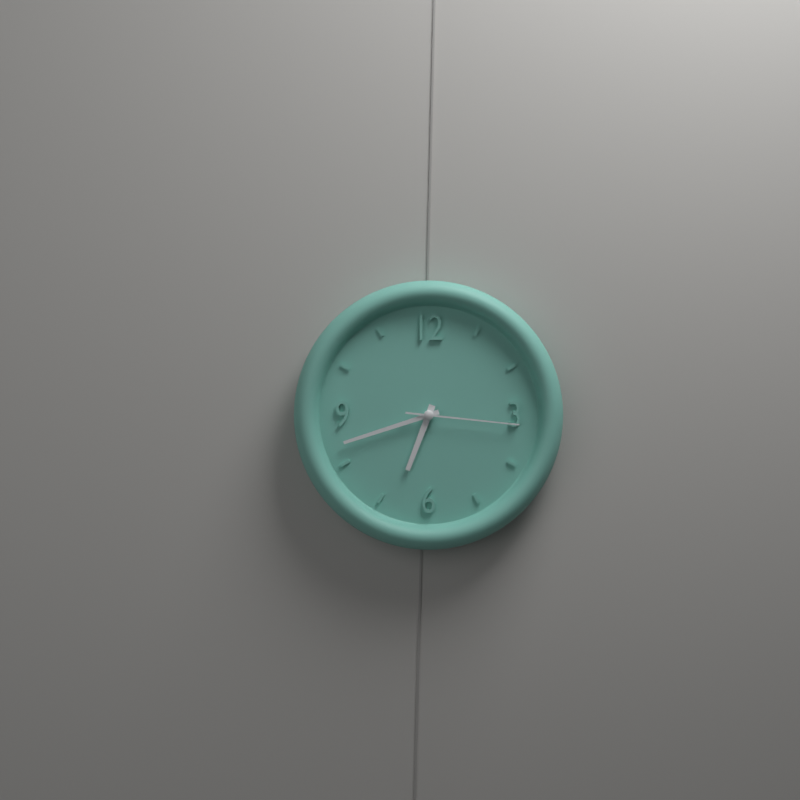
6:42:16
